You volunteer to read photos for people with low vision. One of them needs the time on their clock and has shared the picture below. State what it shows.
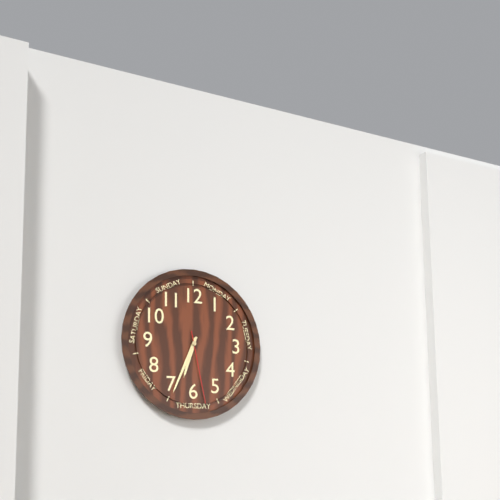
6:34:28
